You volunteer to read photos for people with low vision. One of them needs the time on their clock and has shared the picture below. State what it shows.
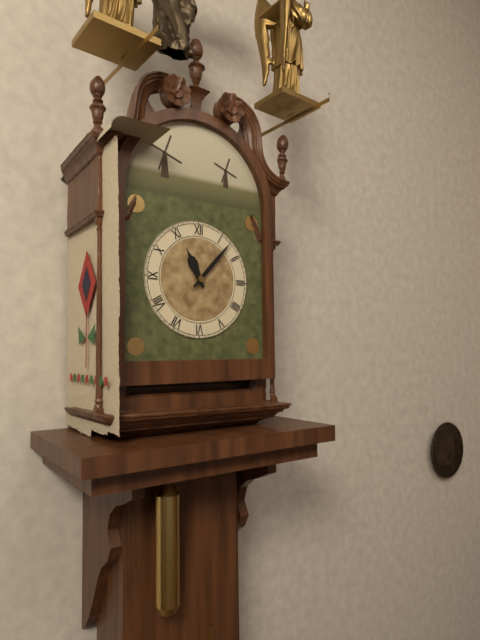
11:07
